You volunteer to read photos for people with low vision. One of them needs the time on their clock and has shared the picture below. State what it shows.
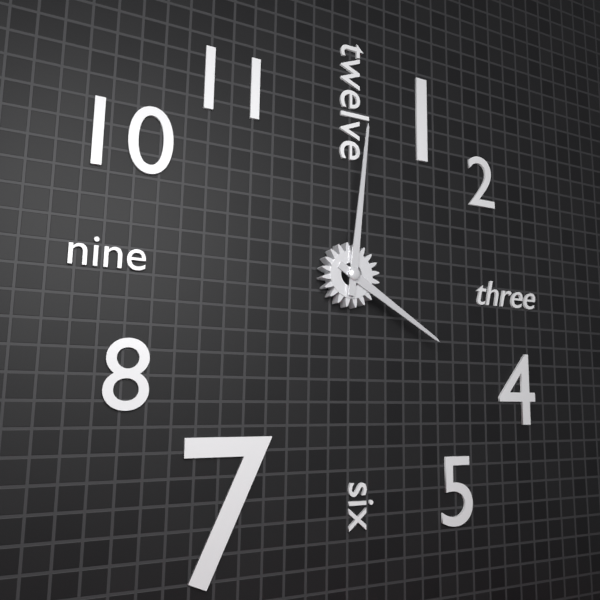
4:01
